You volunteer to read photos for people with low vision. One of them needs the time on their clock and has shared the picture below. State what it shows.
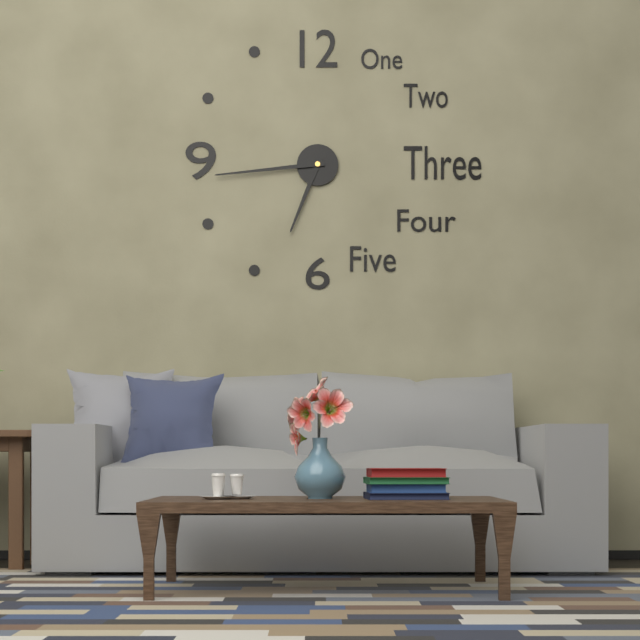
6:44
